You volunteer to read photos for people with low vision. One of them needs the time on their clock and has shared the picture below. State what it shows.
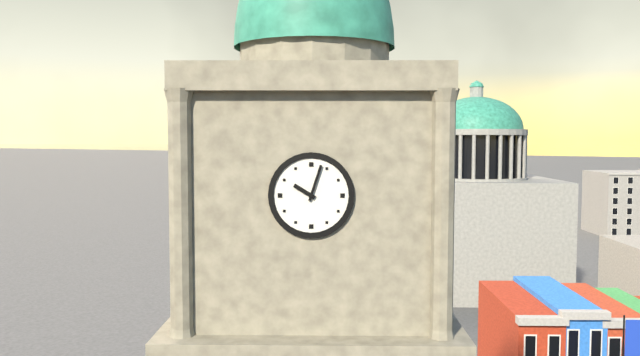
10:03
